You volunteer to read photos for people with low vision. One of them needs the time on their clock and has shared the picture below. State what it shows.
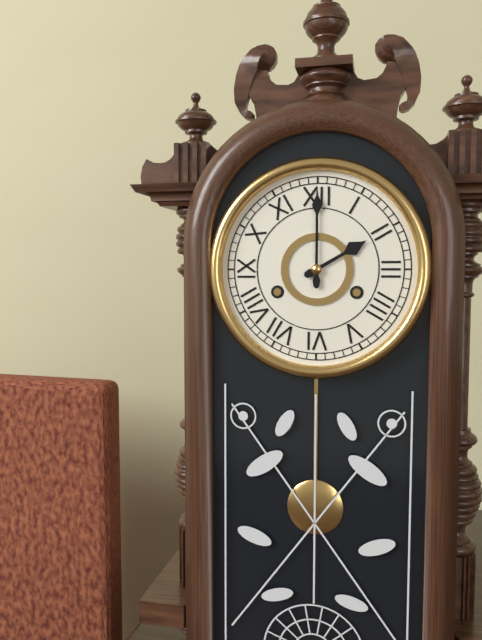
2:00
